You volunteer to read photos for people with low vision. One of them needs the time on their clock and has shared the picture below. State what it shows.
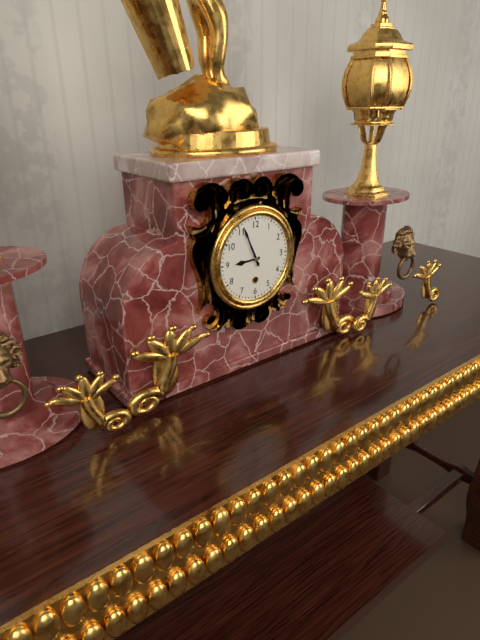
8:56
